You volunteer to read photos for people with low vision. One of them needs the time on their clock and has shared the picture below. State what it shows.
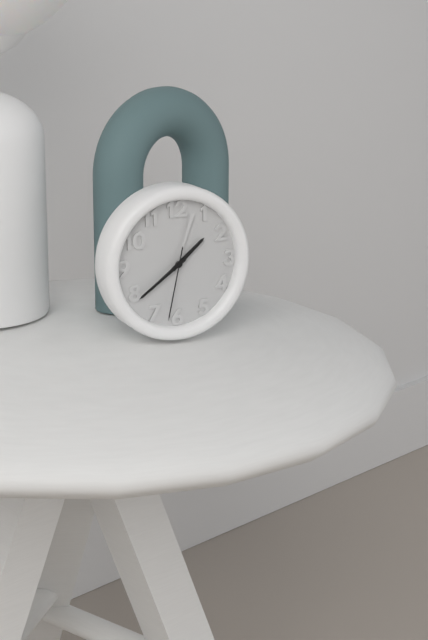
1:39:32
